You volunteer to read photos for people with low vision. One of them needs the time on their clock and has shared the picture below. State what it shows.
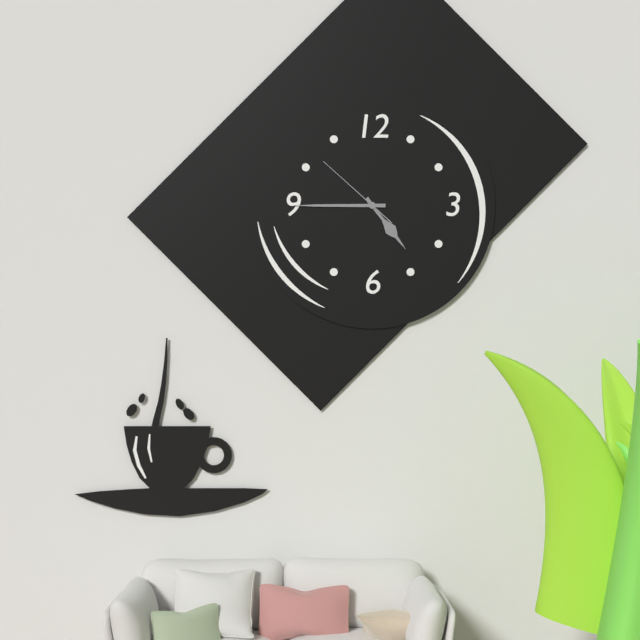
4:45:52
